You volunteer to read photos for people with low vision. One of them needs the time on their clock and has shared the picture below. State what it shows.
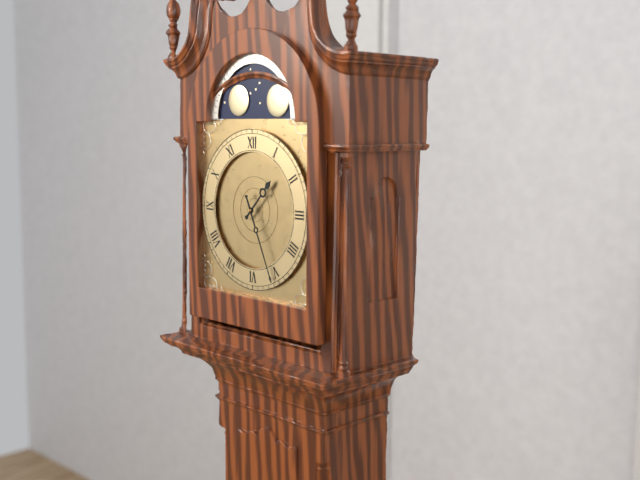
1:26
